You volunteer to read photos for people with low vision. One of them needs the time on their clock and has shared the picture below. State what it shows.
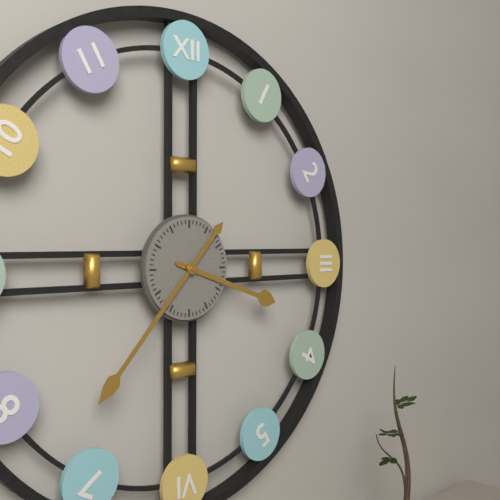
3:37
